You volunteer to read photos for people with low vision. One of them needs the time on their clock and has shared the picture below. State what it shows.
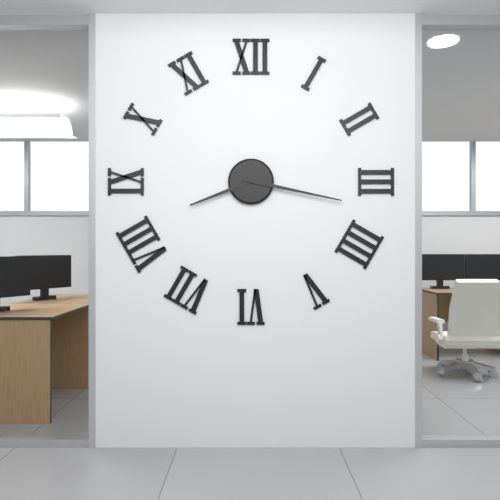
8:17
